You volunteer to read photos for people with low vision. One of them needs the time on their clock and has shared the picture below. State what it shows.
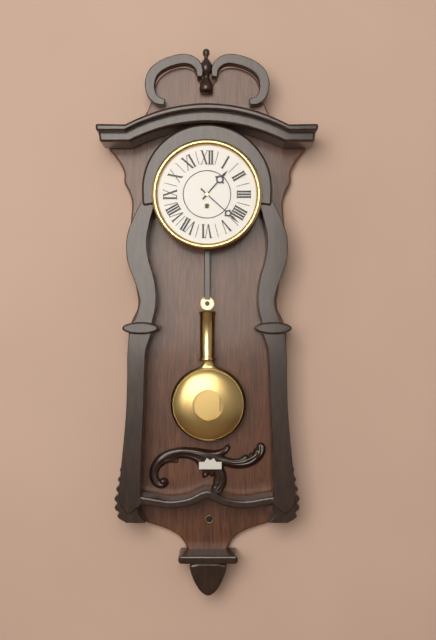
1:22
